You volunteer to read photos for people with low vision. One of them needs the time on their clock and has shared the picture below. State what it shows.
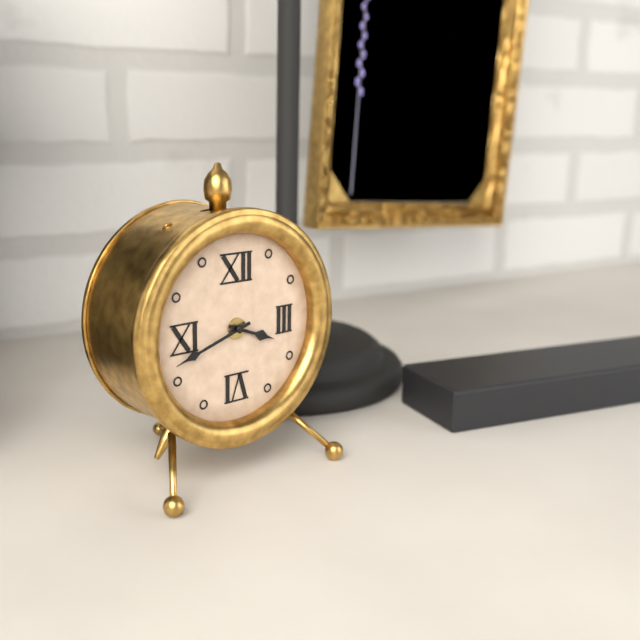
3:42
